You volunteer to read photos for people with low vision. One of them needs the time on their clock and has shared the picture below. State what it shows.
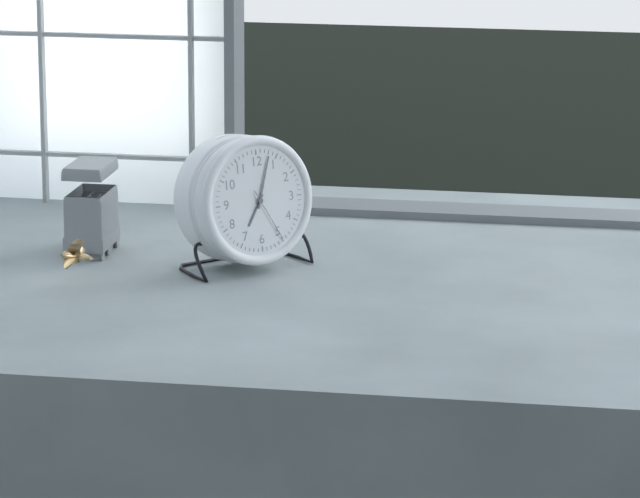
7:03:25
